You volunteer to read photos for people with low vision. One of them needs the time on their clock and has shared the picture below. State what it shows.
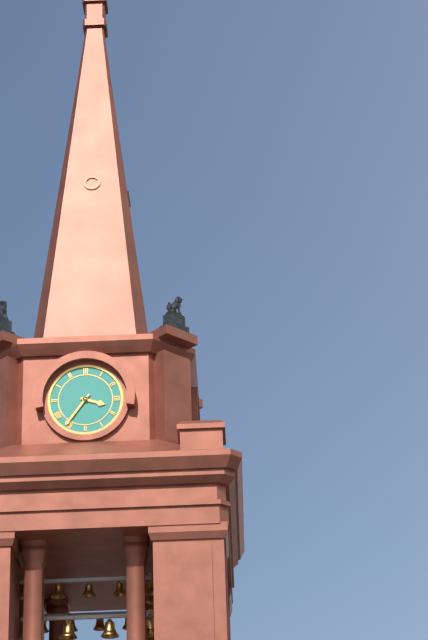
3:36
